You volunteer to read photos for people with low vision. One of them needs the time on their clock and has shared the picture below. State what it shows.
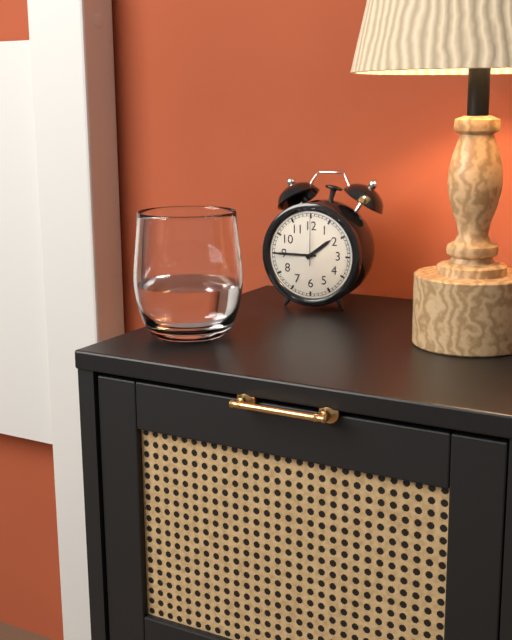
1:45
